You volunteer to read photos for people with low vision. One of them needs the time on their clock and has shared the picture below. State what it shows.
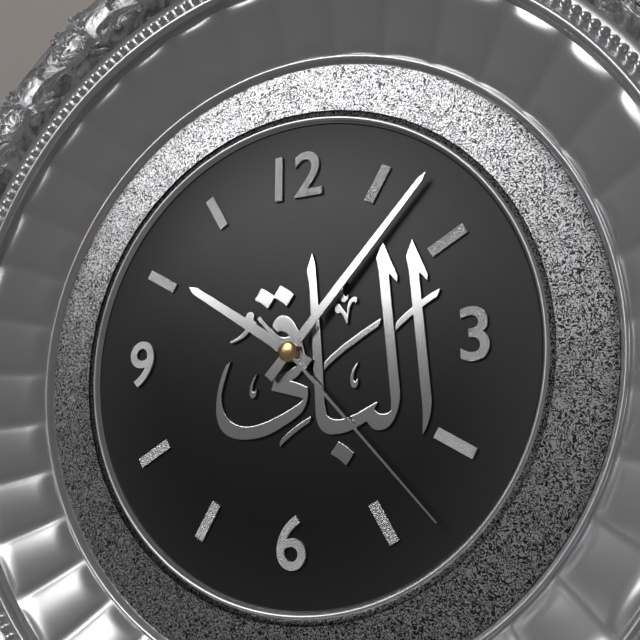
10:07:23
